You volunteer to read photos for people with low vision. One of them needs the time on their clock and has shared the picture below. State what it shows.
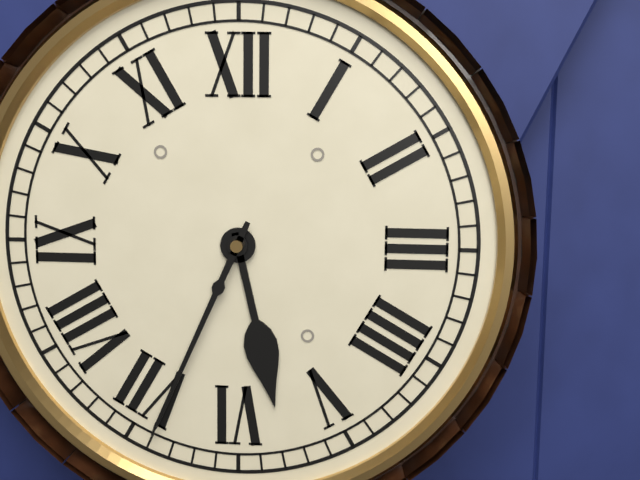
5:34
